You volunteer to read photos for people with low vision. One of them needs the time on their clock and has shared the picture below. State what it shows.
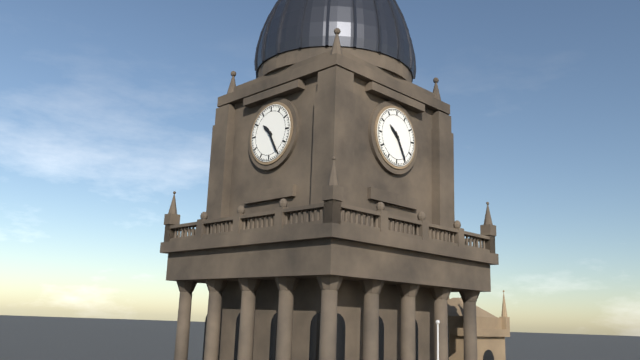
10:25
